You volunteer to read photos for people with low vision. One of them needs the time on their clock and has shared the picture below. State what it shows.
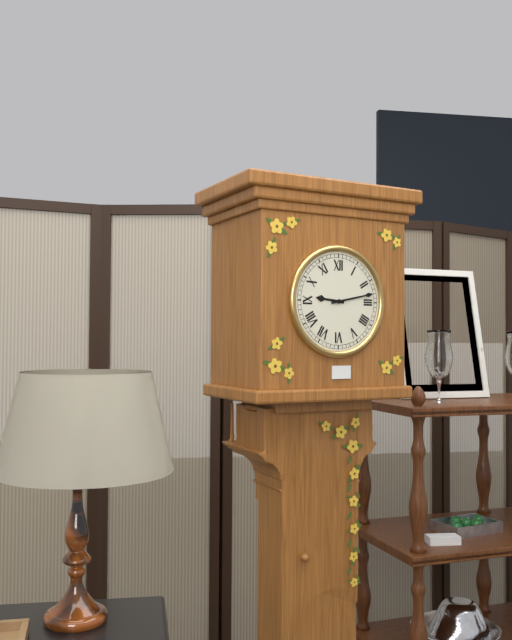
9:13
